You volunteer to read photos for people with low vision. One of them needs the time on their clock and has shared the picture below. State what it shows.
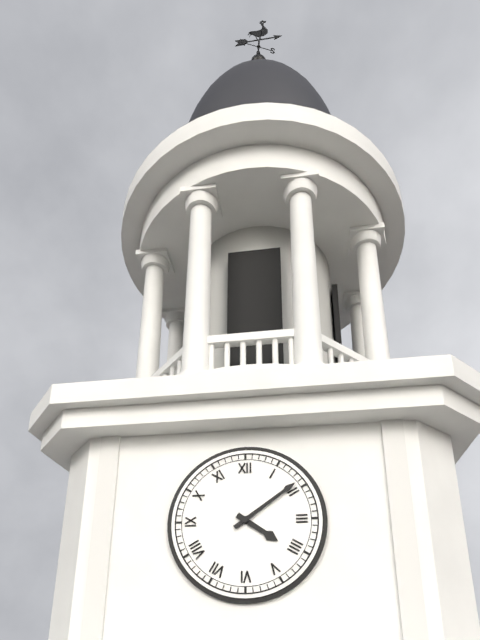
4:09
